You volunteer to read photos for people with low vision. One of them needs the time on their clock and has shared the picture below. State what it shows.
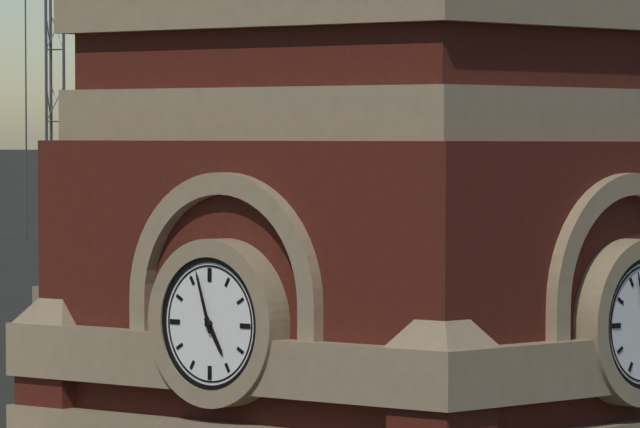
4:57
